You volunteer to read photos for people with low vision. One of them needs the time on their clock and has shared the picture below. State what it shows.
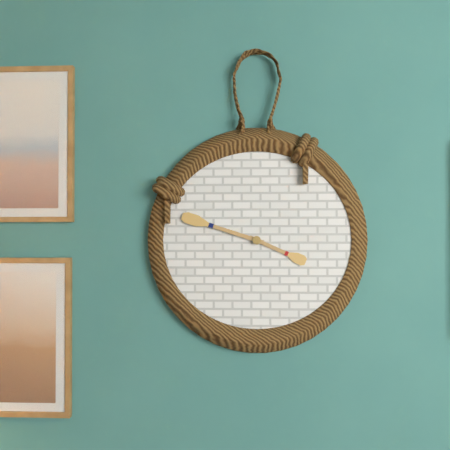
3:48
